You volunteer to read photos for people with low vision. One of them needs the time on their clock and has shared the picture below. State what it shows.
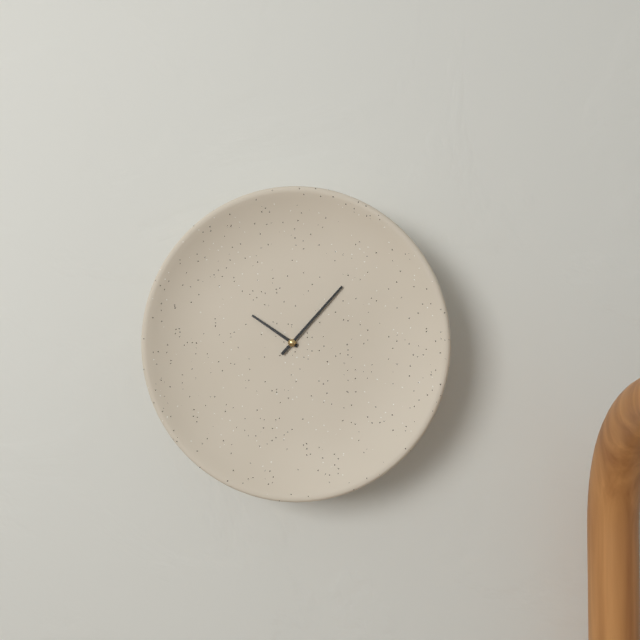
10:07
